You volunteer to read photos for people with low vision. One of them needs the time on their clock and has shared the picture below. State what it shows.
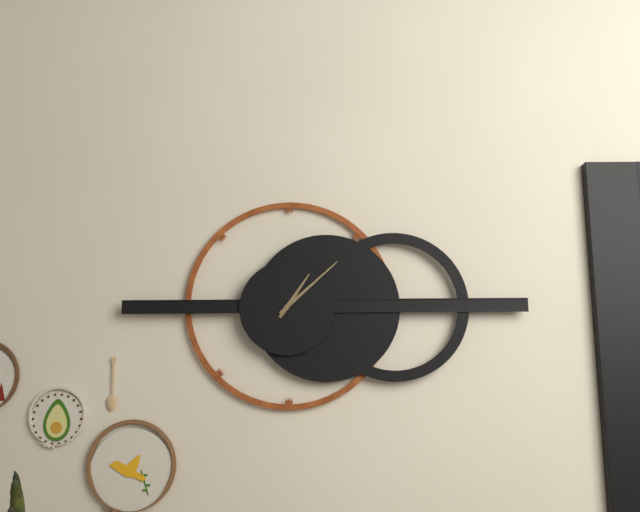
1:08
